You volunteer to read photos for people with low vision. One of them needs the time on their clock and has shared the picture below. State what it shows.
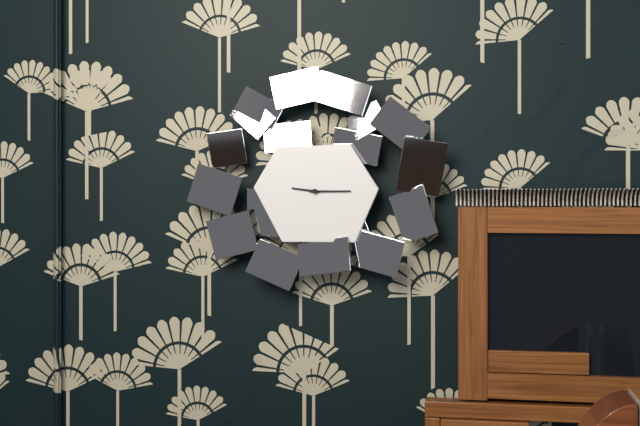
9:15
